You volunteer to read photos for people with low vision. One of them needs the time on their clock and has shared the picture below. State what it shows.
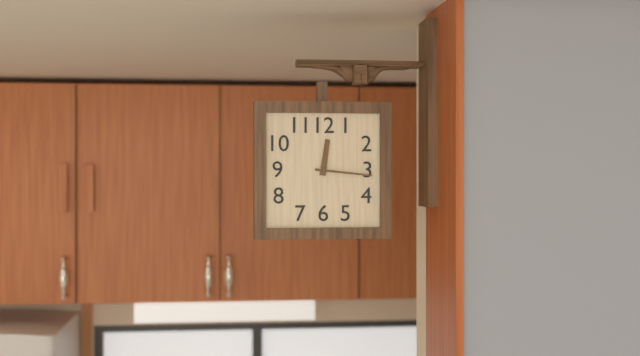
12:16
